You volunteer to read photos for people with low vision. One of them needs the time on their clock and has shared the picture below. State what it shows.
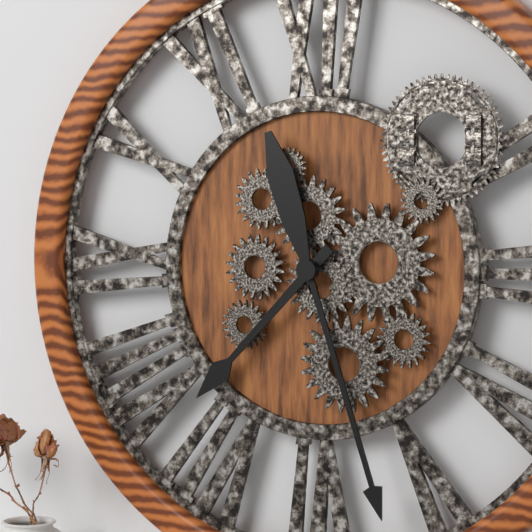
7:27
